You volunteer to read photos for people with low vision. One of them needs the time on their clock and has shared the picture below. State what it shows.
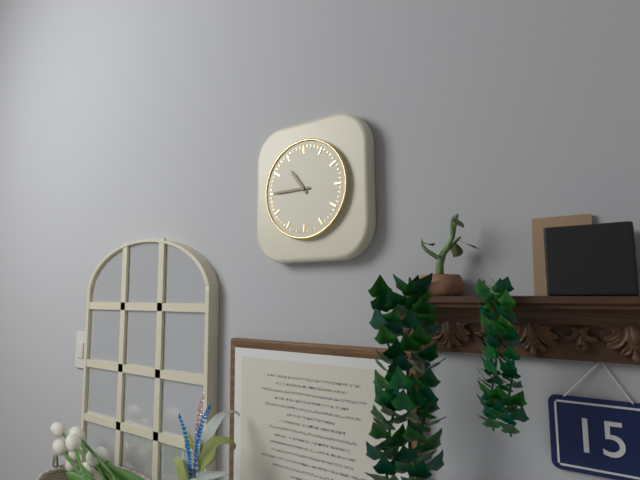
10:45
